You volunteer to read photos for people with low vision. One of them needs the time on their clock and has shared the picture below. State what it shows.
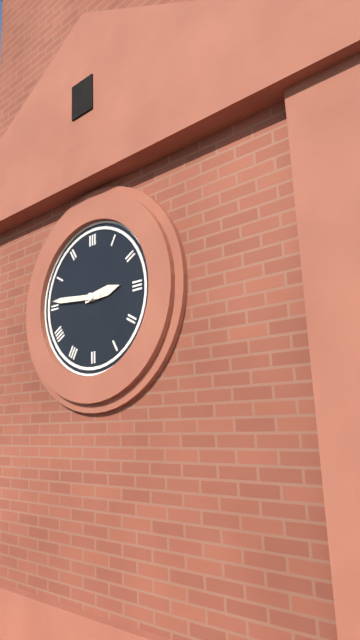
2:46
